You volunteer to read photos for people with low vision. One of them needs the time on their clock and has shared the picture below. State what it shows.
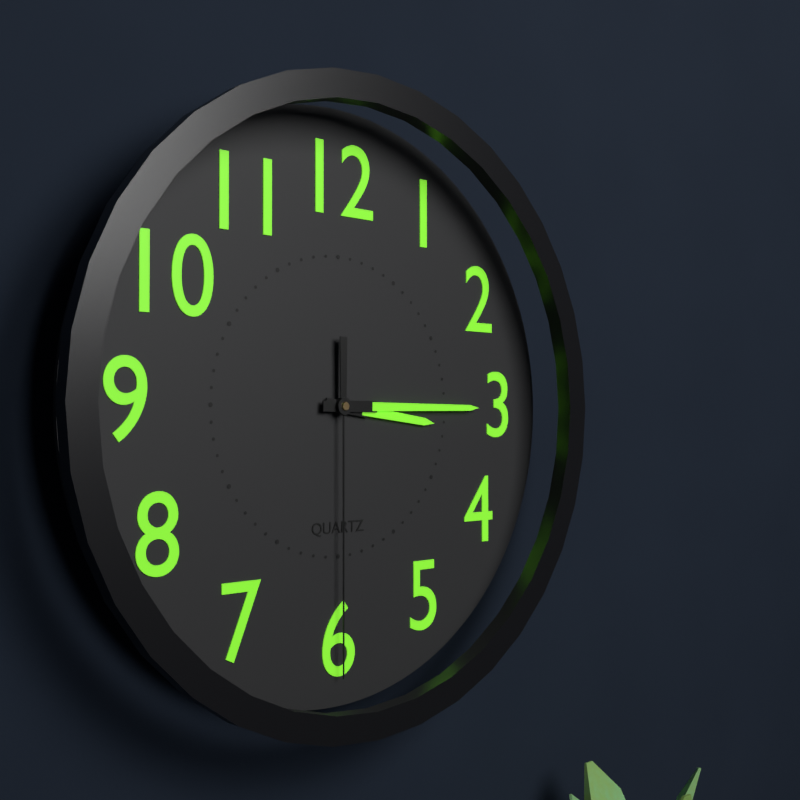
3:15:30
